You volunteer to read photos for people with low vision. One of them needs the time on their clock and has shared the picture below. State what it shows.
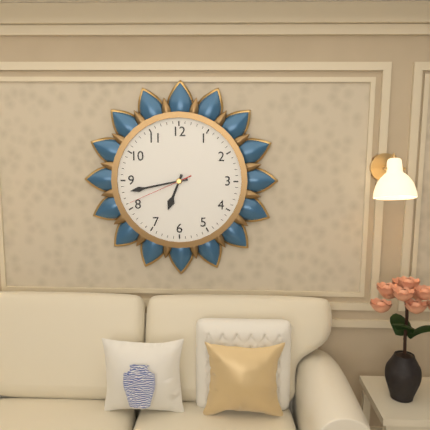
6:43:41
